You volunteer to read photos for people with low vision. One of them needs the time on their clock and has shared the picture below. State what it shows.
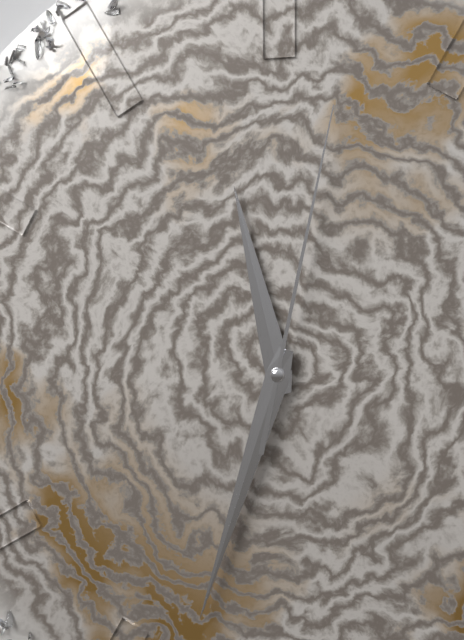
11:33:02
